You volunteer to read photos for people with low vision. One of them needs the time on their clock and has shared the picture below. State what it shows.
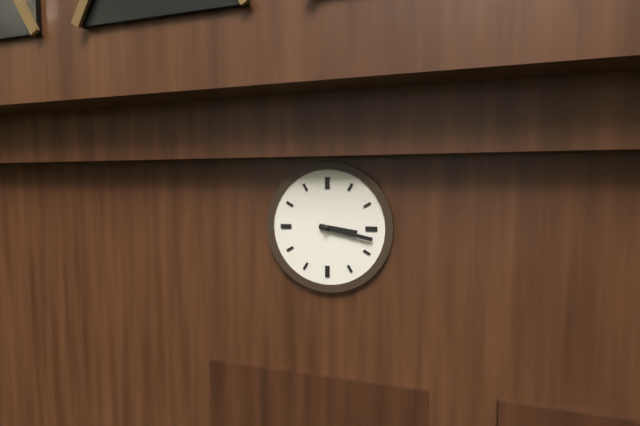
3:17
